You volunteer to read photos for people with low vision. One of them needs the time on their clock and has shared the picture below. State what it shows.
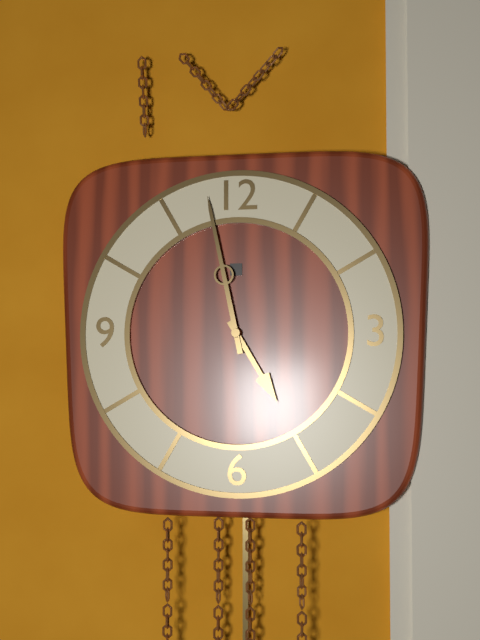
4:58
